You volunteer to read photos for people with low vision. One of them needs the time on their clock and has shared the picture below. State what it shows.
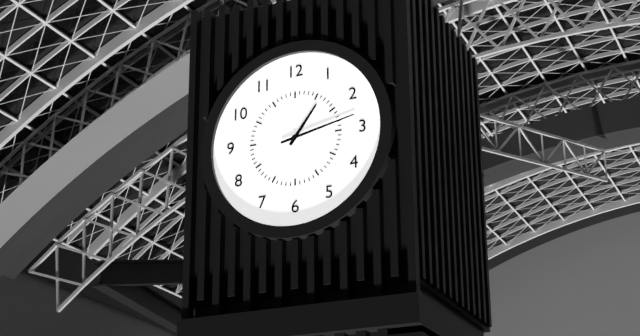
1:13
